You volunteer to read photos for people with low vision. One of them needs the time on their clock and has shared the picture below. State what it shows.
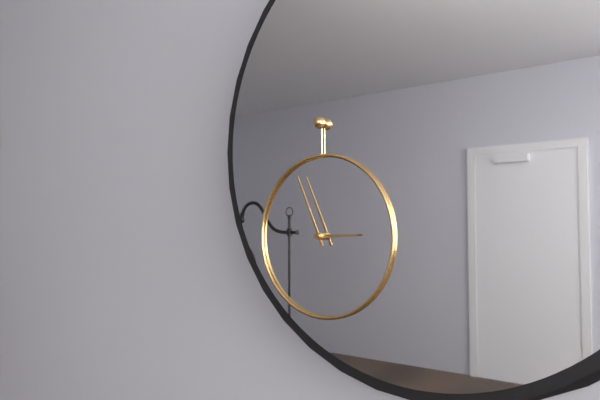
2:56
